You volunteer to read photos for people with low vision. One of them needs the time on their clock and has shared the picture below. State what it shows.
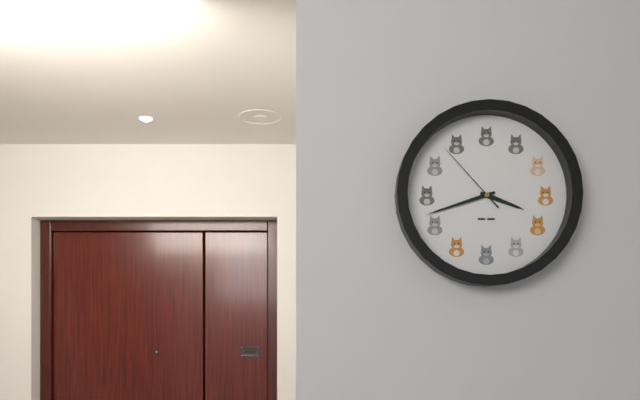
3:42:53
